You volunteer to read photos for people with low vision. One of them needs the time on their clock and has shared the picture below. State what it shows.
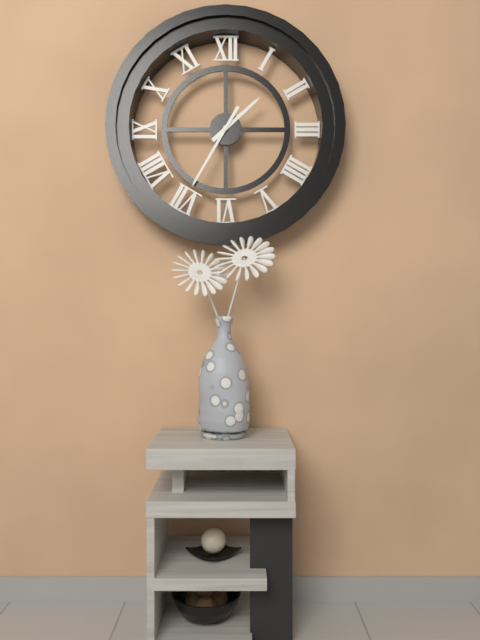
1:35
